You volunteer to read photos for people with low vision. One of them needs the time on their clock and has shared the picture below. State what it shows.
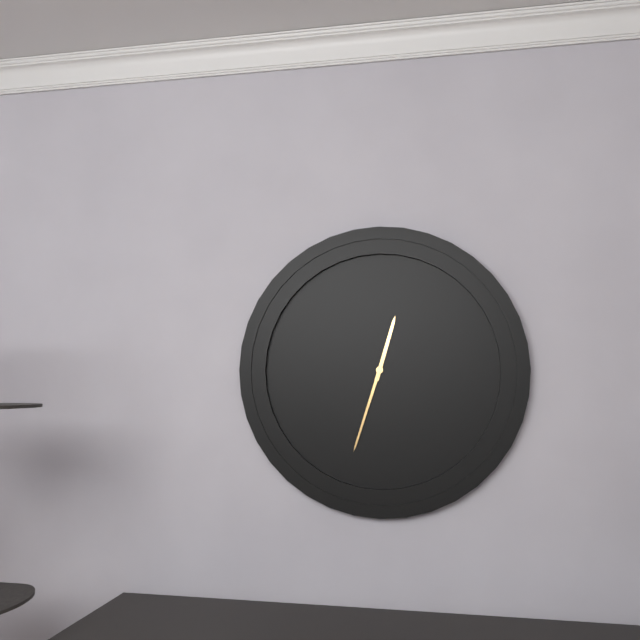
12:33
